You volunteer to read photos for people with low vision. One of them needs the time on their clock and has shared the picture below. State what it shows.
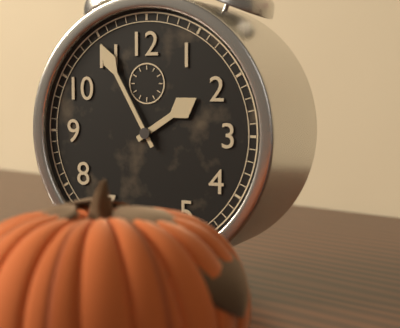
1:55
